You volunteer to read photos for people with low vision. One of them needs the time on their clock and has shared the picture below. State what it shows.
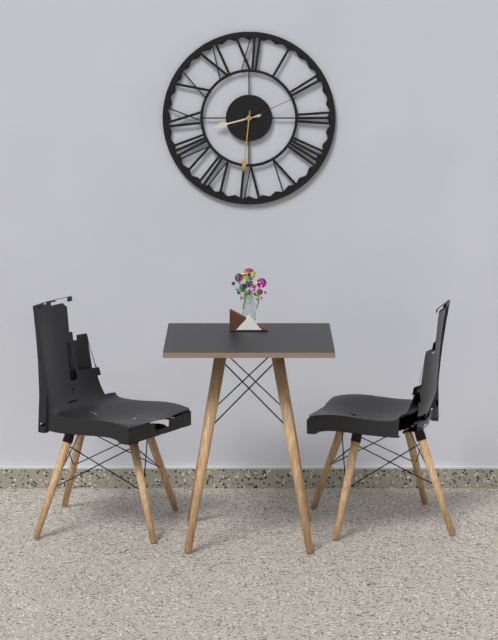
8:31:11
